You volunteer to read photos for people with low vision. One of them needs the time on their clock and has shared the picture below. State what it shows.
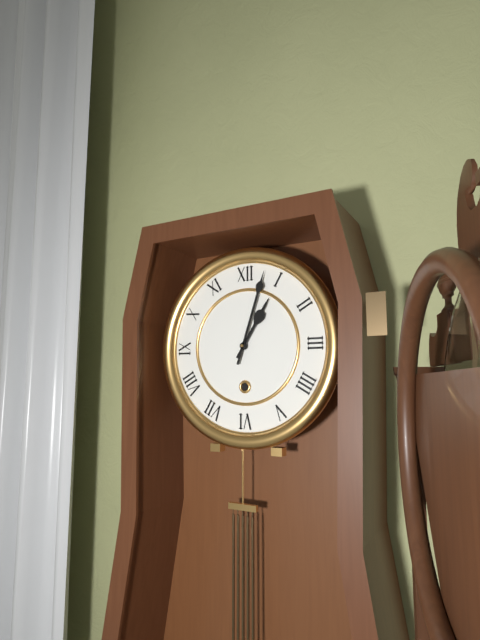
1:03
